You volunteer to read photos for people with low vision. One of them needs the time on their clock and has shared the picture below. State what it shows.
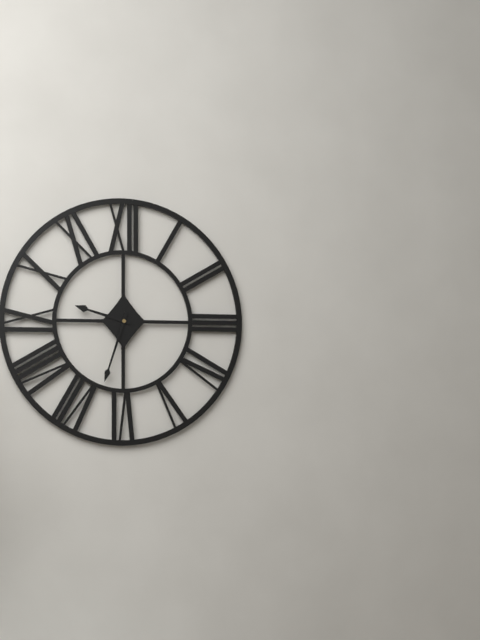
9:33
